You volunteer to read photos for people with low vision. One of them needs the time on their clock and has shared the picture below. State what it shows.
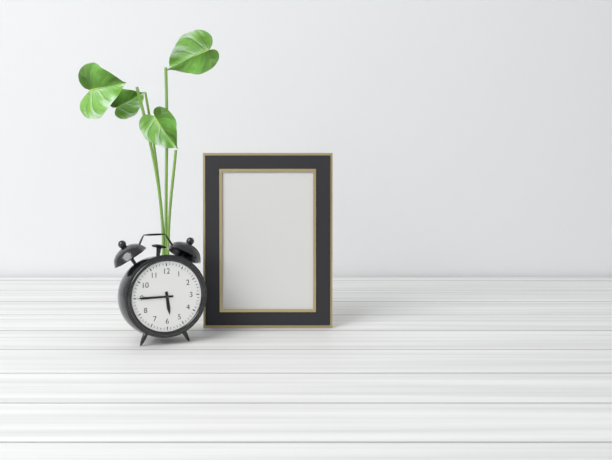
5:45
